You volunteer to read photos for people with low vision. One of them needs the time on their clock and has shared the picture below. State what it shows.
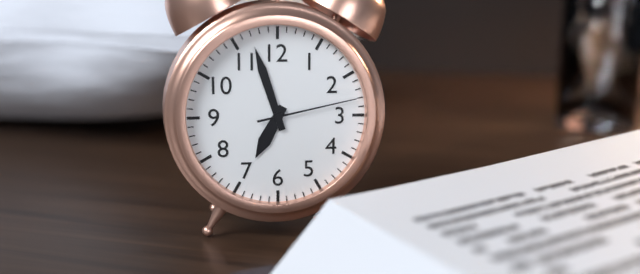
6:57:13
